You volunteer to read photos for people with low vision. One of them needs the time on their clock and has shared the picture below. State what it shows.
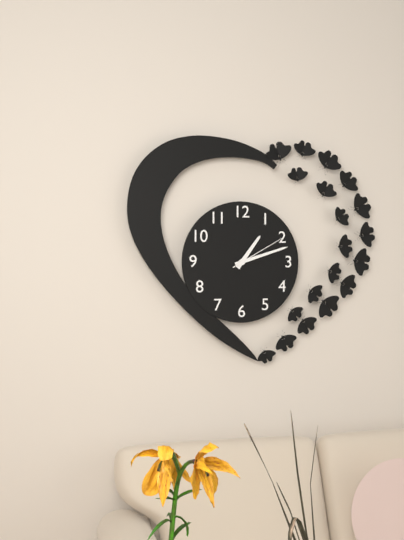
1:12:10
